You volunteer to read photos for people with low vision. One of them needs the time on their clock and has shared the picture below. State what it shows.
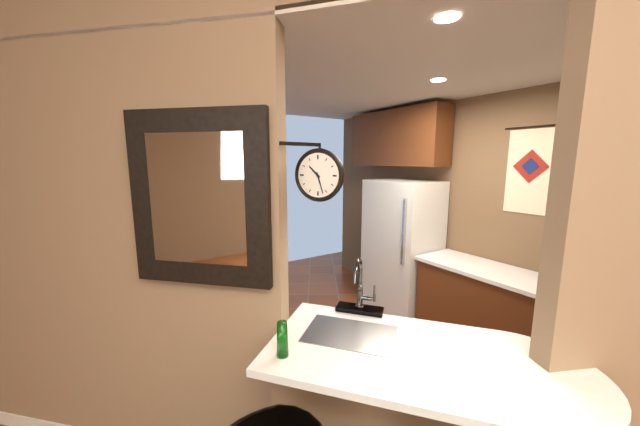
10:27
